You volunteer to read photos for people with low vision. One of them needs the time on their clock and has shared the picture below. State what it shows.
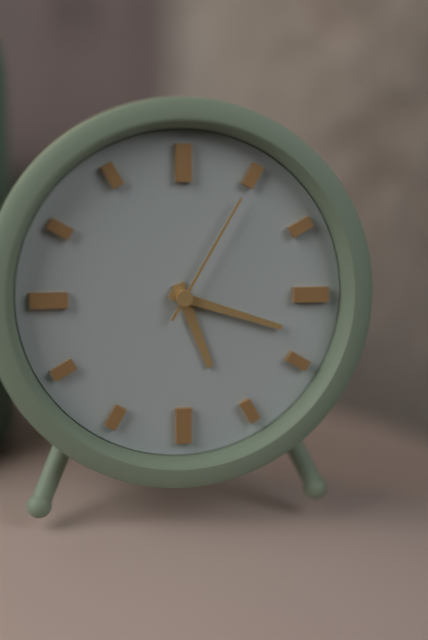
5:18:05
